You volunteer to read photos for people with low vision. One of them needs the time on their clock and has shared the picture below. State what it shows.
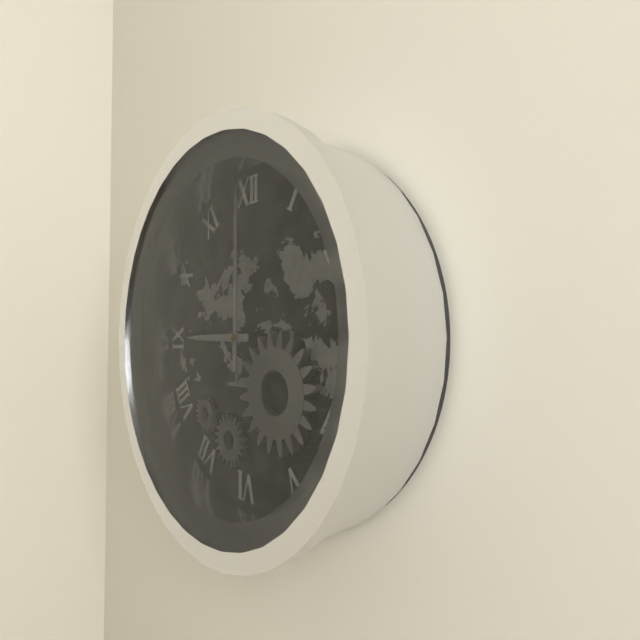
9:00
